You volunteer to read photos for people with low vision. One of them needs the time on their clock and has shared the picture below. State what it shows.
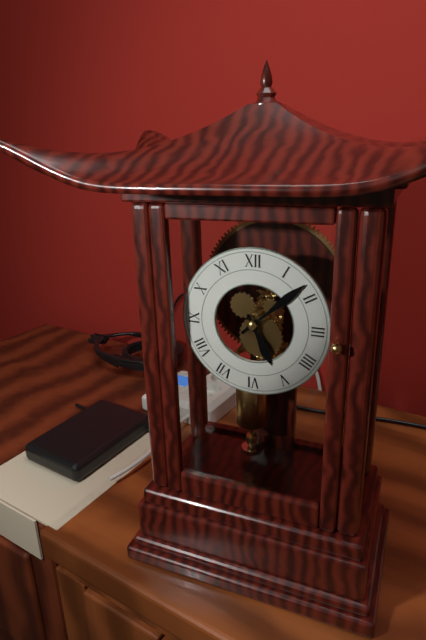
5:08
